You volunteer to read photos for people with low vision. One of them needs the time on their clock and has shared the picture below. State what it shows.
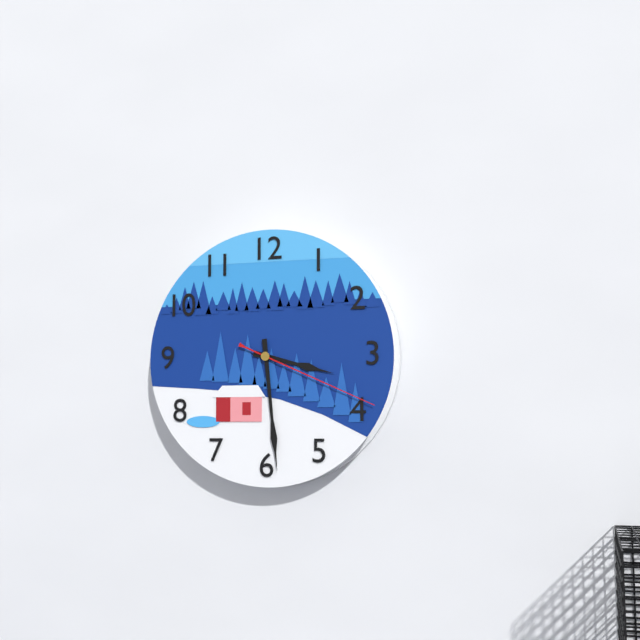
3:29:19
